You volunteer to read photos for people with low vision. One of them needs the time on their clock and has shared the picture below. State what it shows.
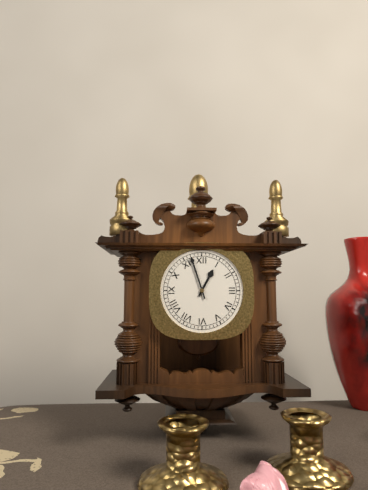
12:57
